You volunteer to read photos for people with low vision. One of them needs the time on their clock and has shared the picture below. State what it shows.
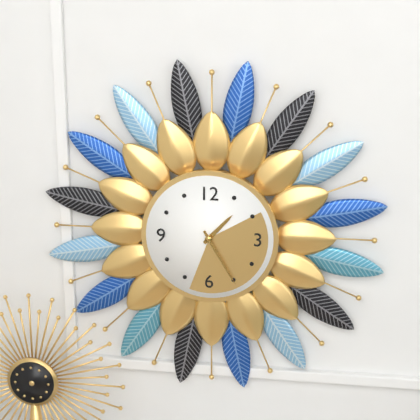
1:25
